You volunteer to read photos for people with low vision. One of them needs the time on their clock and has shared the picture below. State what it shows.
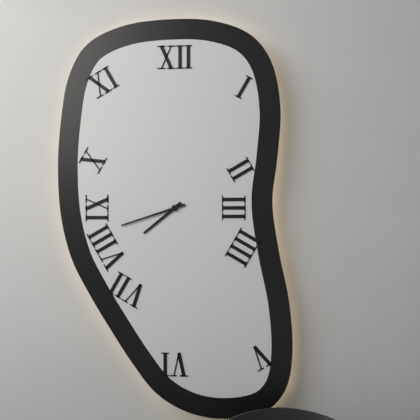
7:42
